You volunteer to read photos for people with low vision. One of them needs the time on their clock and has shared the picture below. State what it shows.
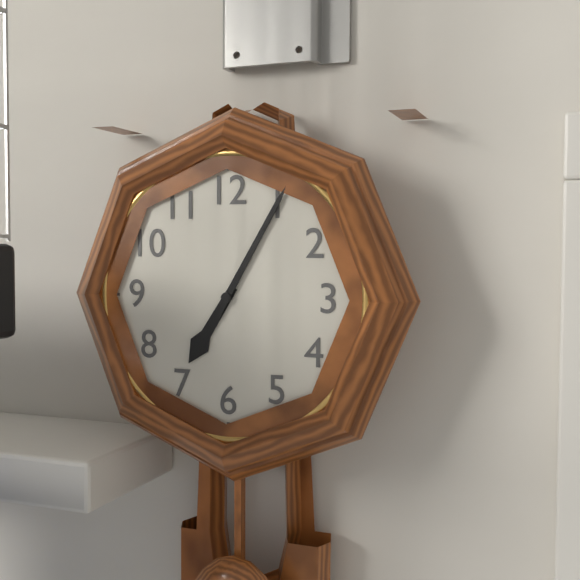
7:05
